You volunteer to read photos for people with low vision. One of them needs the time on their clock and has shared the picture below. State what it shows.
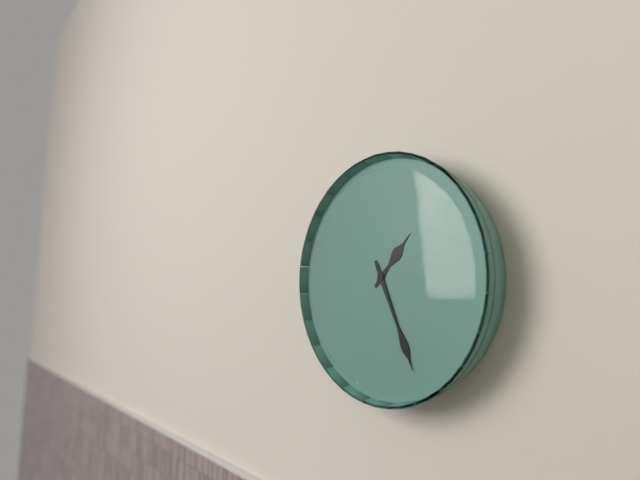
1:26
